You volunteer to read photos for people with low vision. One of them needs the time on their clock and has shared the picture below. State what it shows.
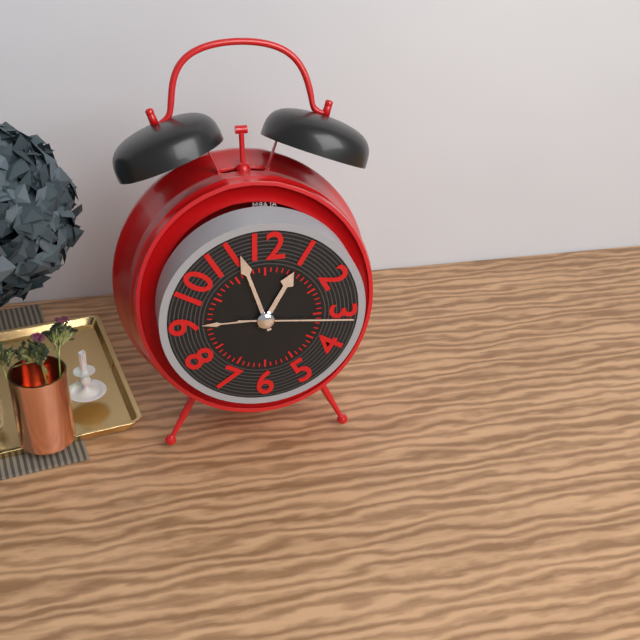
12:57:16
